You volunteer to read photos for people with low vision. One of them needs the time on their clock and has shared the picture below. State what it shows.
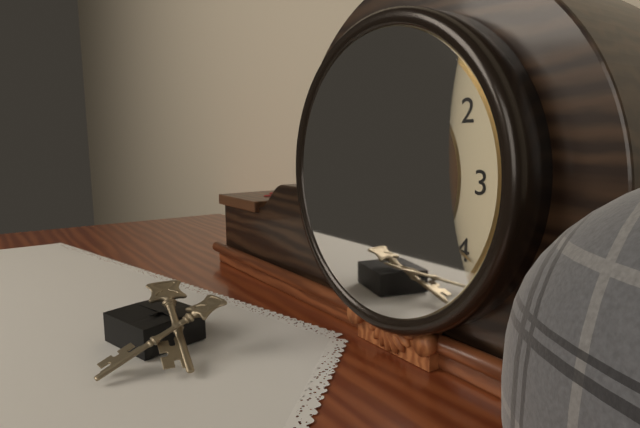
10:20
